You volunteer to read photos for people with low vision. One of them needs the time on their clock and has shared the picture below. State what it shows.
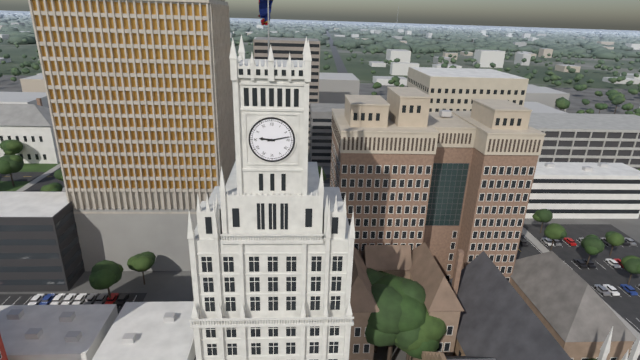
9:13
